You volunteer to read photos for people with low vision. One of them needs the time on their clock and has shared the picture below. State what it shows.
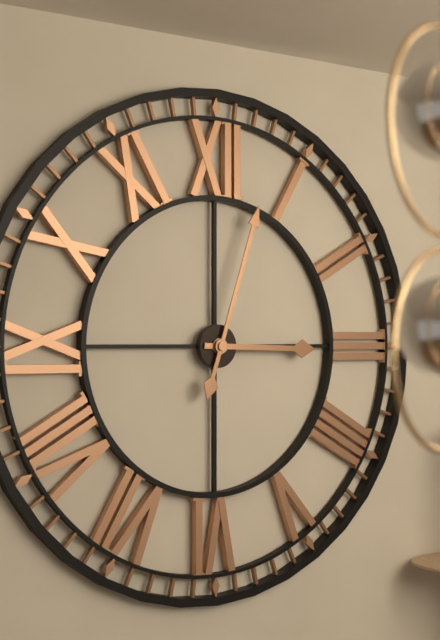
3:03
